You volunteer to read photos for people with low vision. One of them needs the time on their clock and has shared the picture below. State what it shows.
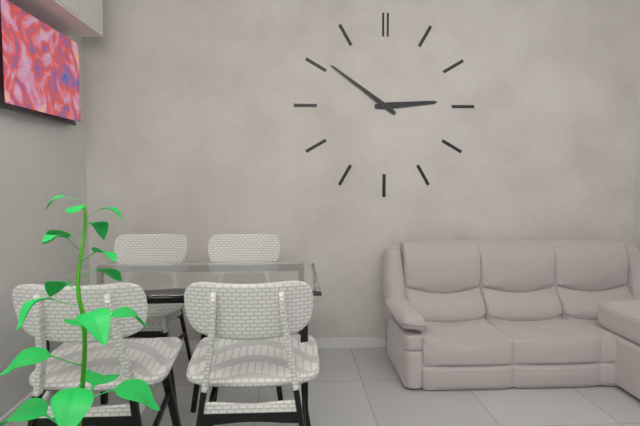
2:51
